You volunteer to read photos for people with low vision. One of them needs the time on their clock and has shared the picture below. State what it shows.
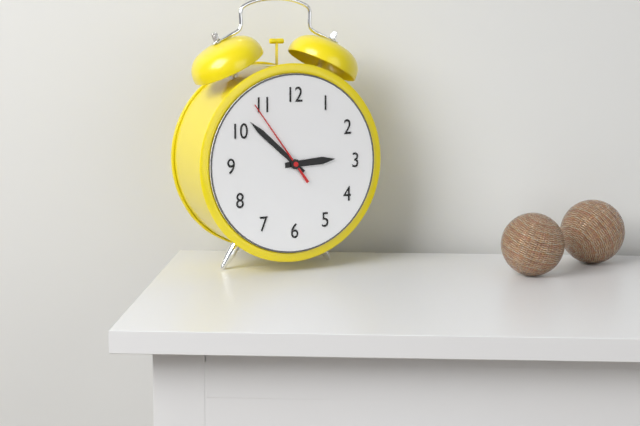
2:52:54
